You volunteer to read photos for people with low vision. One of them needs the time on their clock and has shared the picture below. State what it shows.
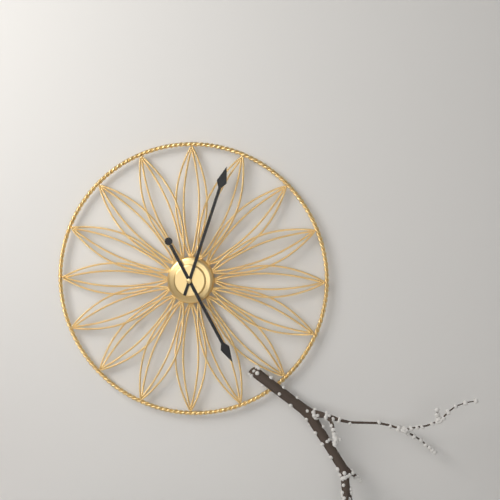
5:03
